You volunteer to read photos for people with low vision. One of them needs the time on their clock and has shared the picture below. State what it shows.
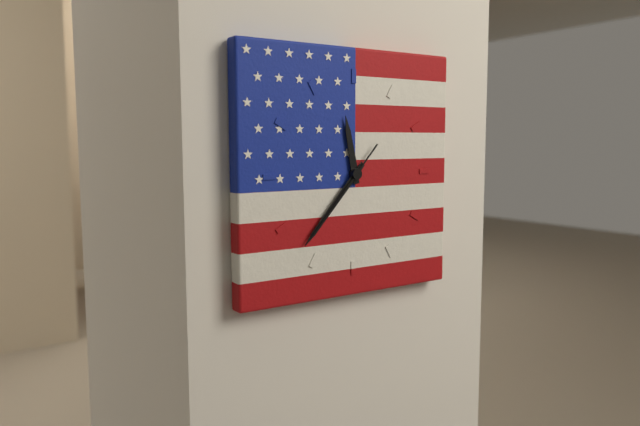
11:37:37
